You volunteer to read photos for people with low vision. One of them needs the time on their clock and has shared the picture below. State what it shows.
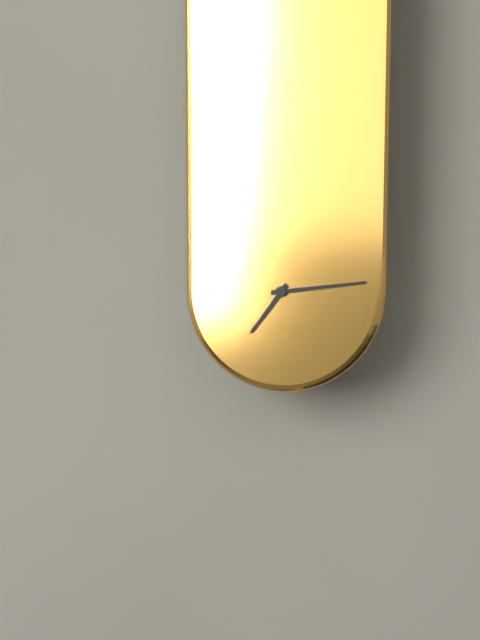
7:14
